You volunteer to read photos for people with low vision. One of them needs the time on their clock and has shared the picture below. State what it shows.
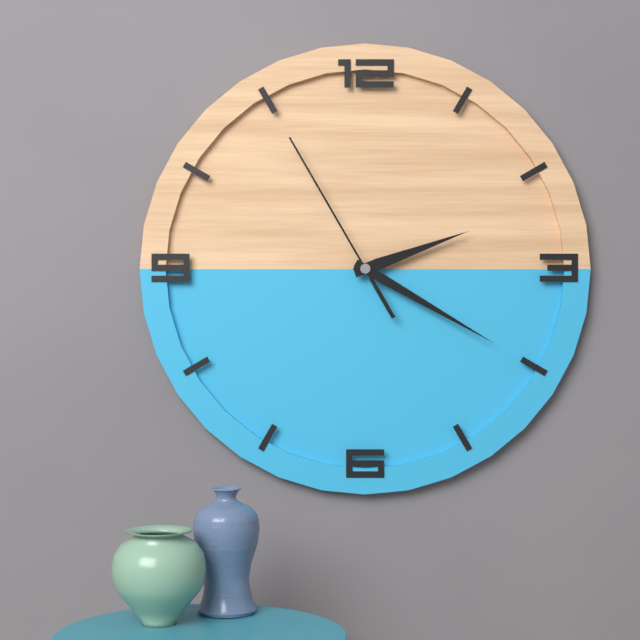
2:20:55
